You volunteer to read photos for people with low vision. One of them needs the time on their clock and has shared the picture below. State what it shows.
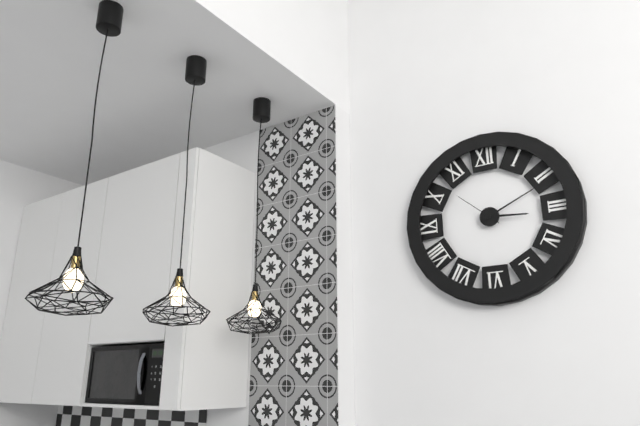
3:11:52
